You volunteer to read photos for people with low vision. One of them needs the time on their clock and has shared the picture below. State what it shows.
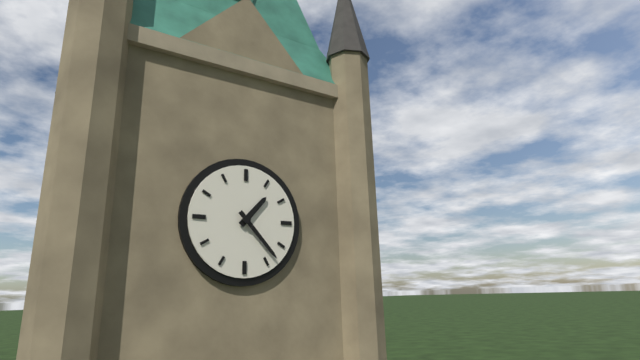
1:23
